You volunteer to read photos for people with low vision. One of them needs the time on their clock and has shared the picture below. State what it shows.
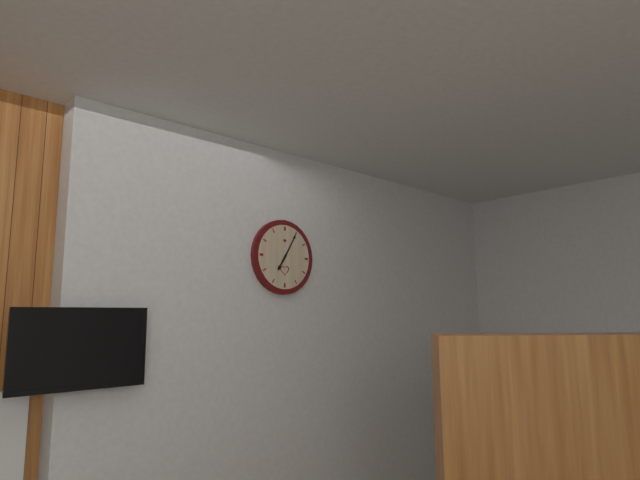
7:05
